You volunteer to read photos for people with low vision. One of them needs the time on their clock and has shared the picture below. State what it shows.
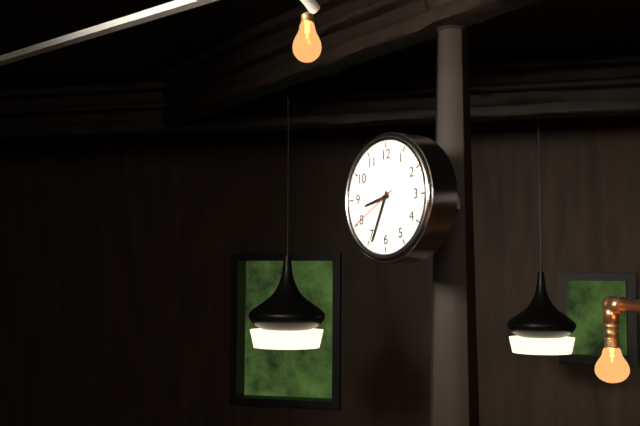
8:34
